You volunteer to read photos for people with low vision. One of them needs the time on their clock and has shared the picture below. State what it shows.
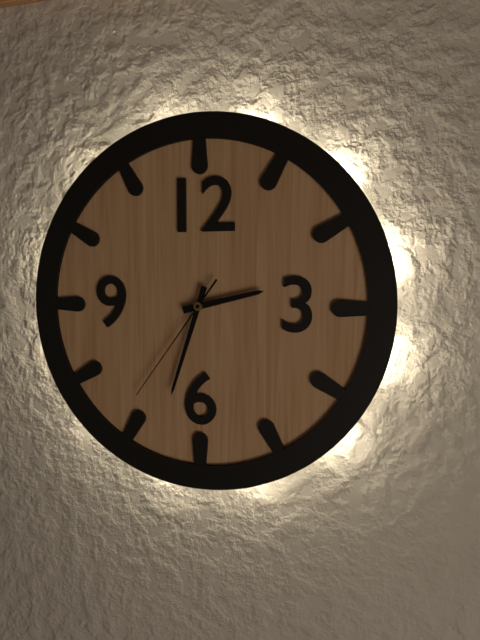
2:33:36
